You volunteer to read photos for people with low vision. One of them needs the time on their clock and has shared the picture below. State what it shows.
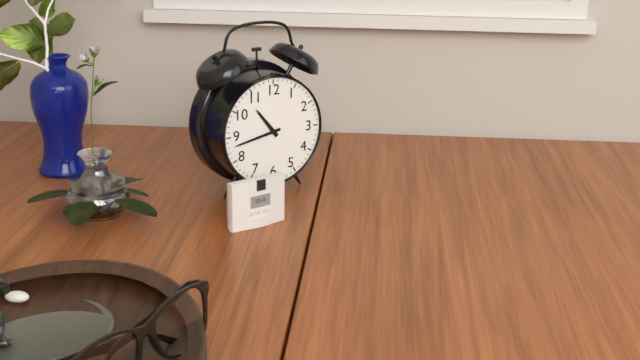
10:43
